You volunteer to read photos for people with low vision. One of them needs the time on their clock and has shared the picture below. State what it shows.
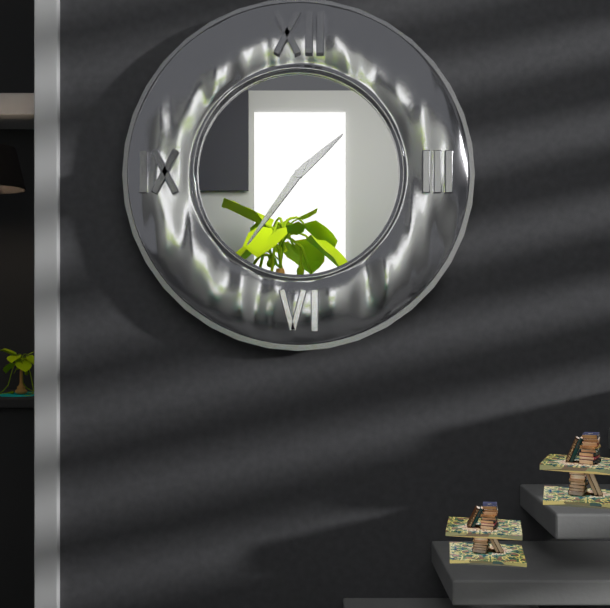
1:36
